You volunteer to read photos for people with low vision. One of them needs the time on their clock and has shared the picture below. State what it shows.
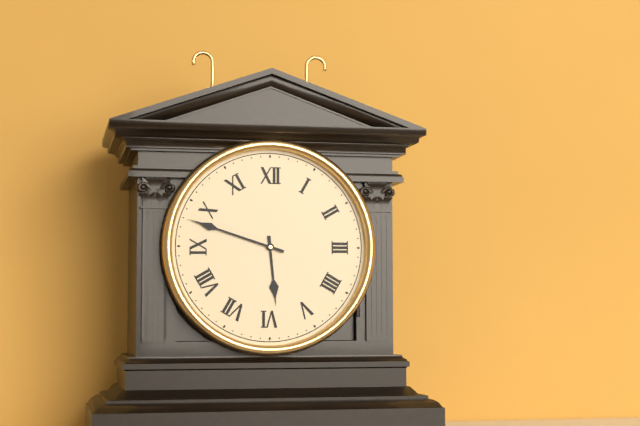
5:48
